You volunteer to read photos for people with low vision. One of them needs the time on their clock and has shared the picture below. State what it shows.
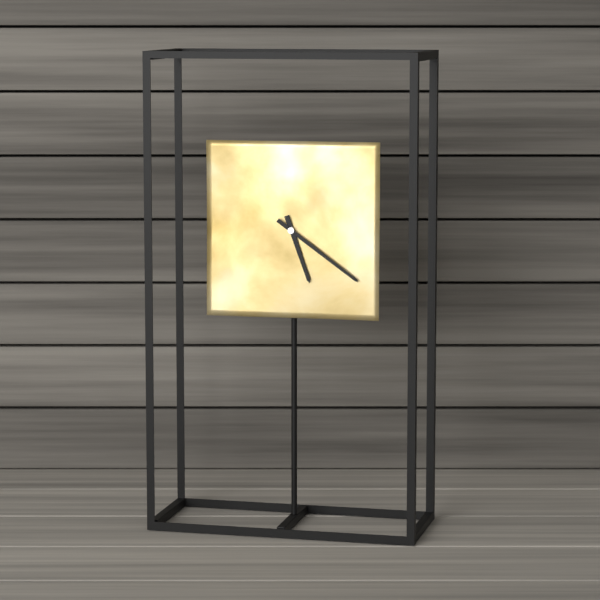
5:21
